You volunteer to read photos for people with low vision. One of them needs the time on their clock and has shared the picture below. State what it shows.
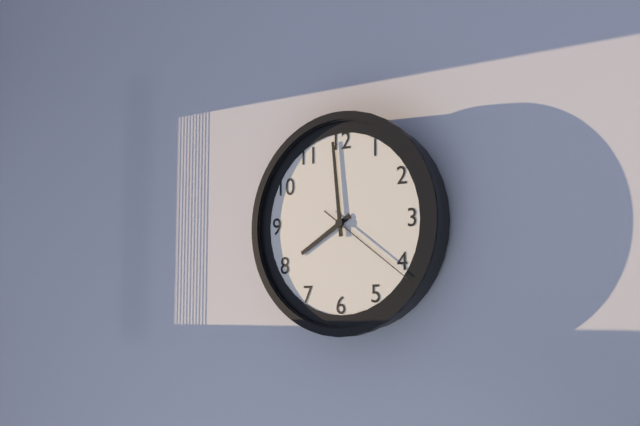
7:59:21
